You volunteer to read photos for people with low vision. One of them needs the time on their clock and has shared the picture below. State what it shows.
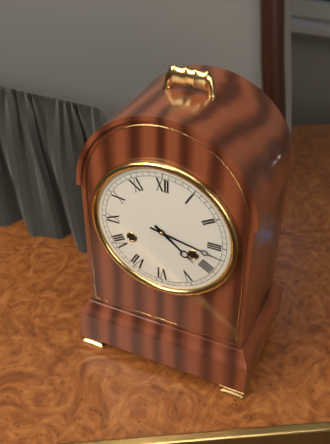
4:17
